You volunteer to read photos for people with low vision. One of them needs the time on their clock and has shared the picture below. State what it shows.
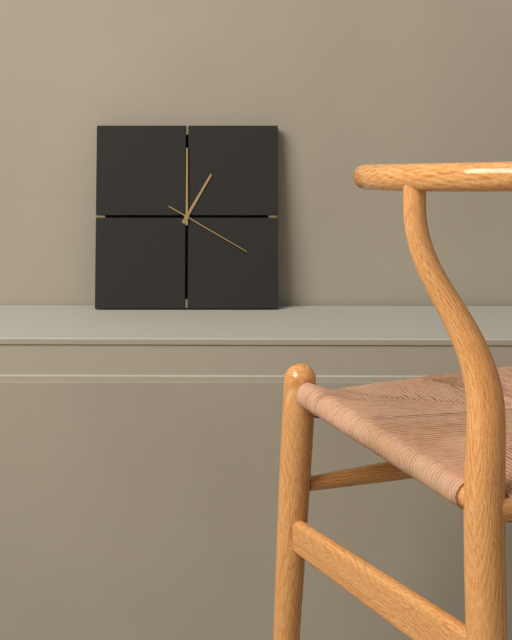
1:00:20
